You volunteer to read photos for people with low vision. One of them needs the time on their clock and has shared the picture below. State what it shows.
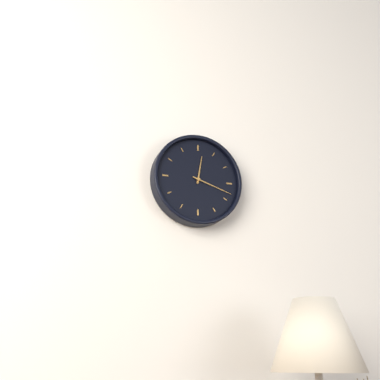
12:18
